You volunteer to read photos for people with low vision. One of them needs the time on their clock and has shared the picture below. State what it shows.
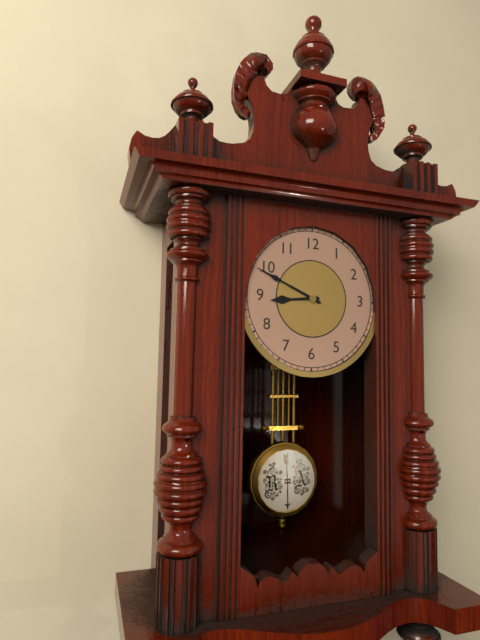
8:49
